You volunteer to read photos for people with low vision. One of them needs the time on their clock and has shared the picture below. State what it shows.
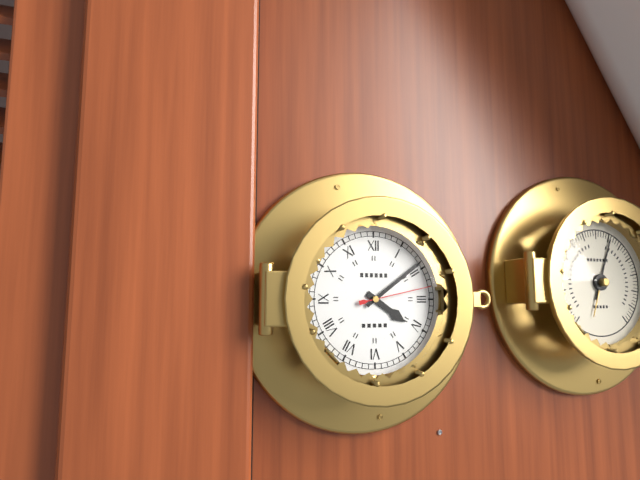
4:09:13
